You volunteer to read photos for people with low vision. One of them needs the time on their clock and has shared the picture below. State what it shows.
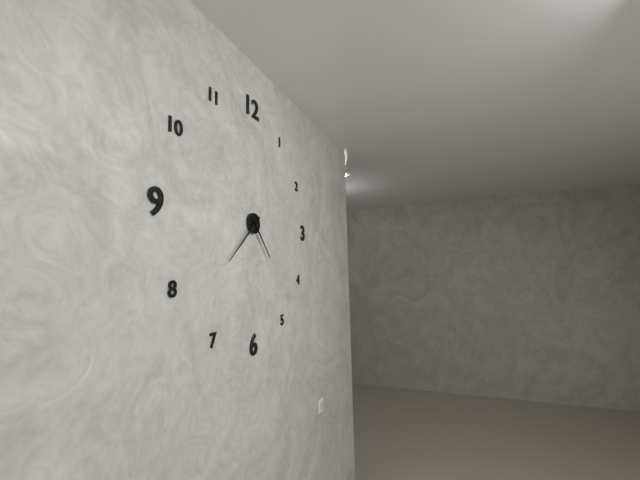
4:38
